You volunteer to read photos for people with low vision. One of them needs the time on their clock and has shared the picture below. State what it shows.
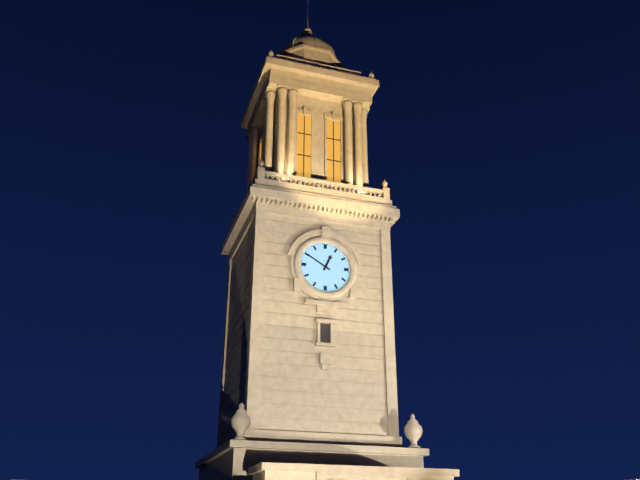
12:50
